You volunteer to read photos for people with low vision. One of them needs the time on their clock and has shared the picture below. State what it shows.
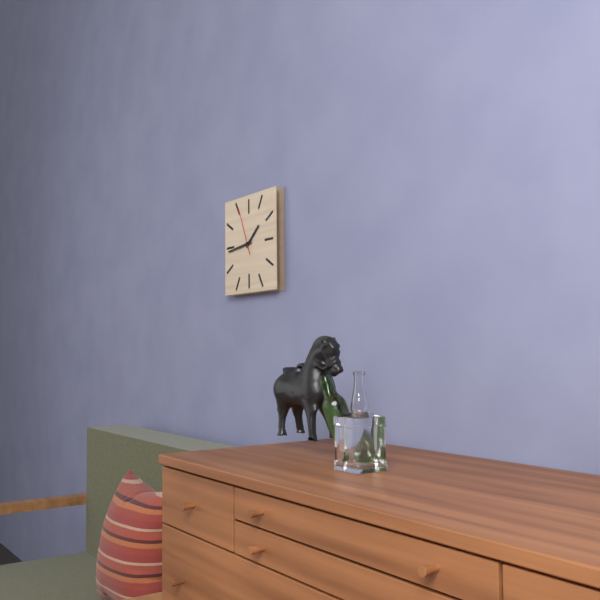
1:44
